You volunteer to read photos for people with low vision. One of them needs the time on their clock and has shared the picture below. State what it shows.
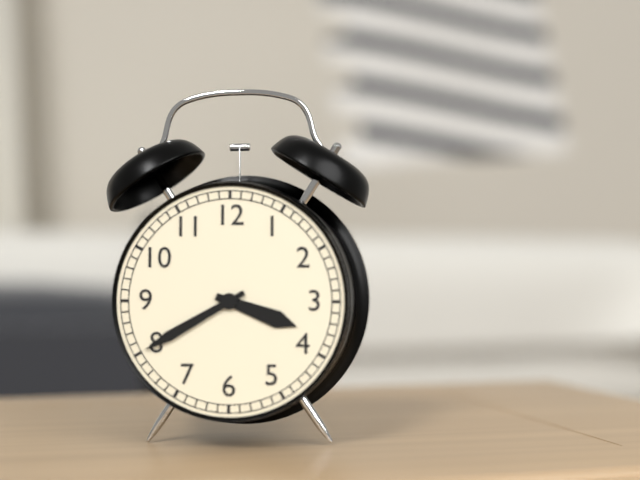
3:40
